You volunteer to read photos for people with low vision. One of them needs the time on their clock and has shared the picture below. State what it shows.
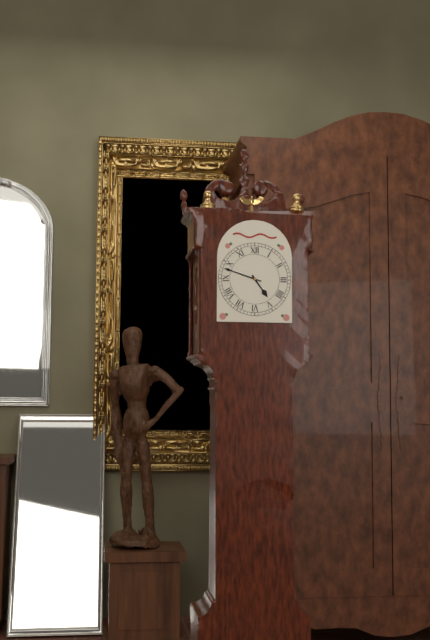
4:48
